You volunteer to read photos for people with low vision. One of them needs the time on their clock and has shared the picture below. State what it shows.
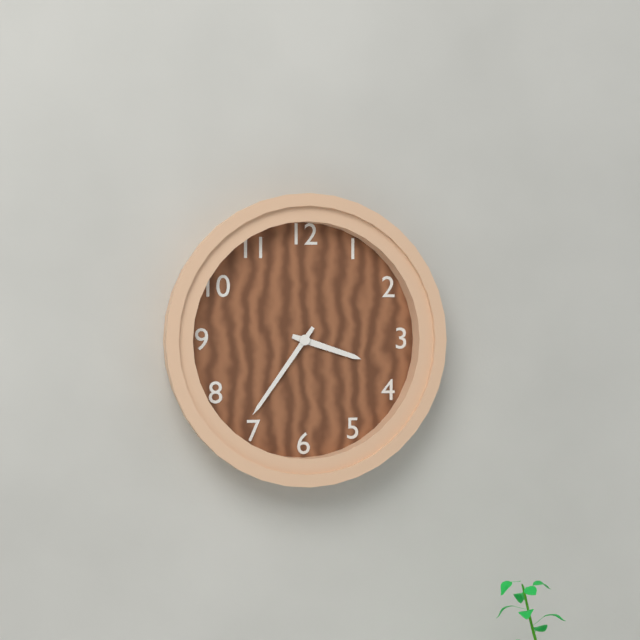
3:36
